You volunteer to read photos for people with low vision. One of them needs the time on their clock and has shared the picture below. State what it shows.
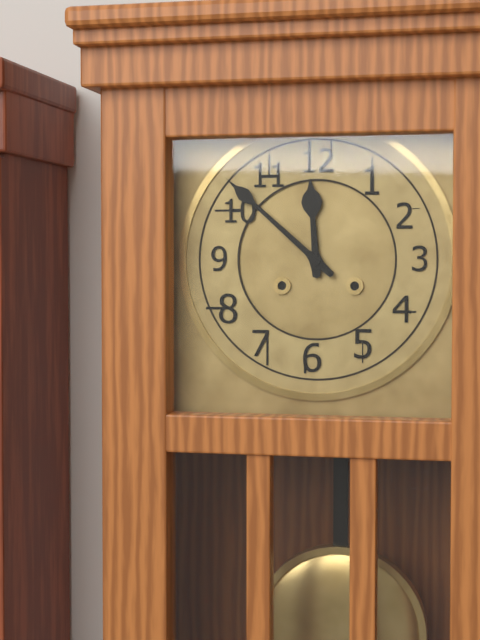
11:52
